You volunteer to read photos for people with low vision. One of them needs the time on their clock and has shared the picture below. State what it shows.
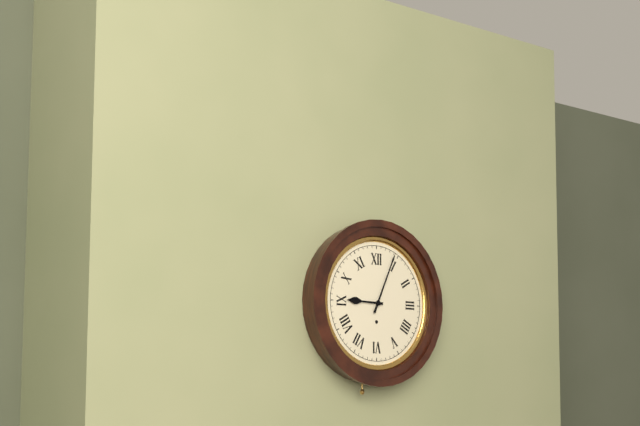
9:04
